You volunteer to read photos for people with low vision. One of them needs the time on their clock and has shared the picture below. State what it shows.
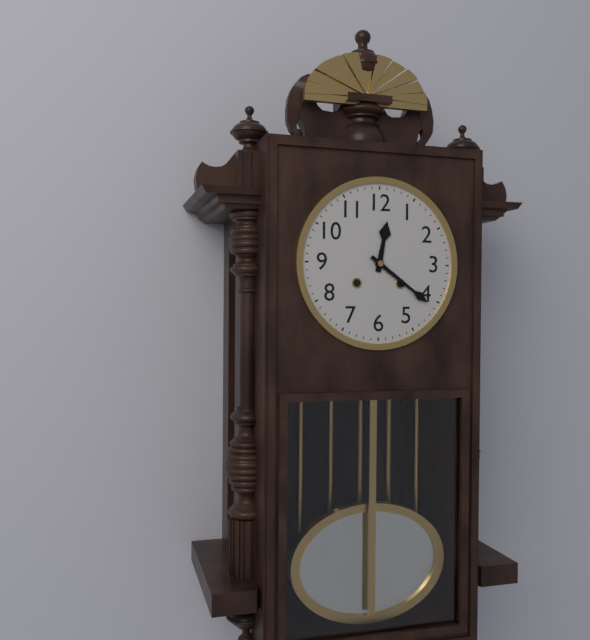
12:21
